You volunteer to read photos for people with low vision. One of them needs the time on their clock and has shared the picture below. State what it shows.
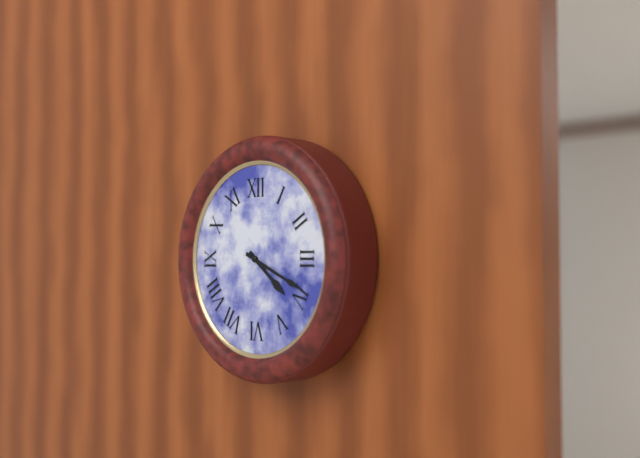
4:19
